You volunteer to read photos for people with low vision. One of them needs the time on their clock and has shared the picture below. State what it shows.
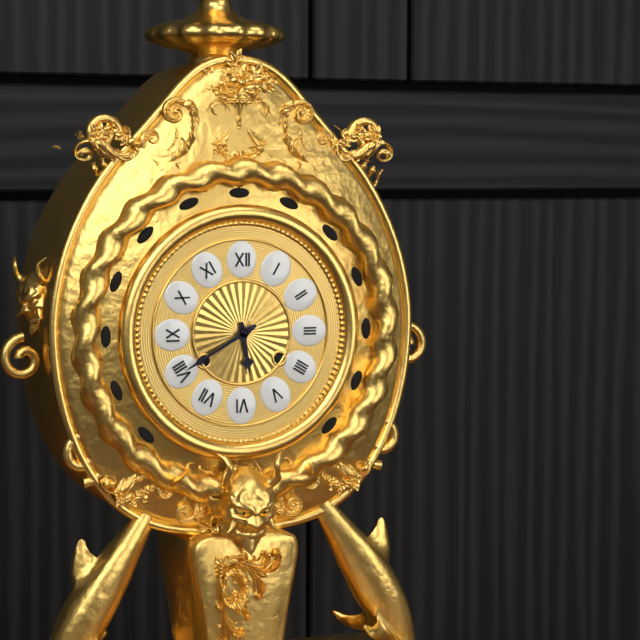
5:40
